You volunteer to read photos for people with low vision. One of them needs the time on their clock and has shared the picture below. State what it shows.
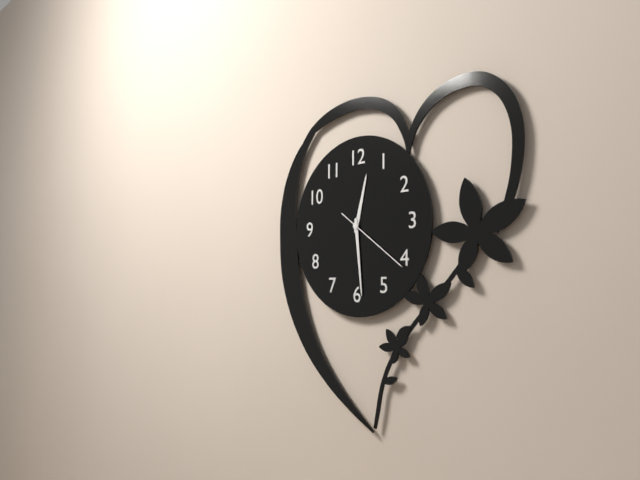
12:29:21
